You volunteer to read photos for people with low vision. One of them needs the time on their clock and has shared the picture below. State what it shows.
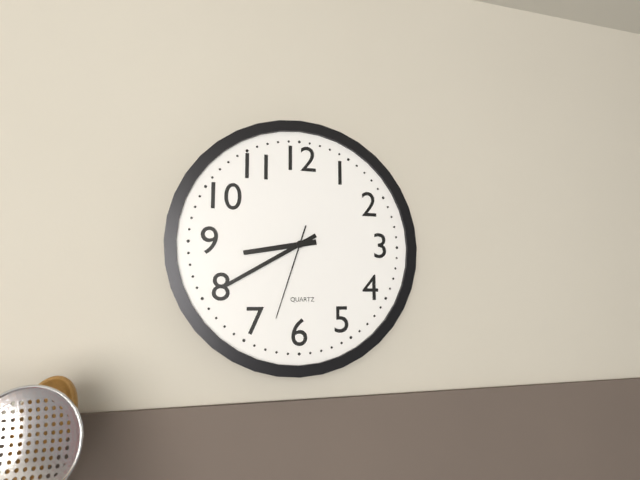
8:40:33
